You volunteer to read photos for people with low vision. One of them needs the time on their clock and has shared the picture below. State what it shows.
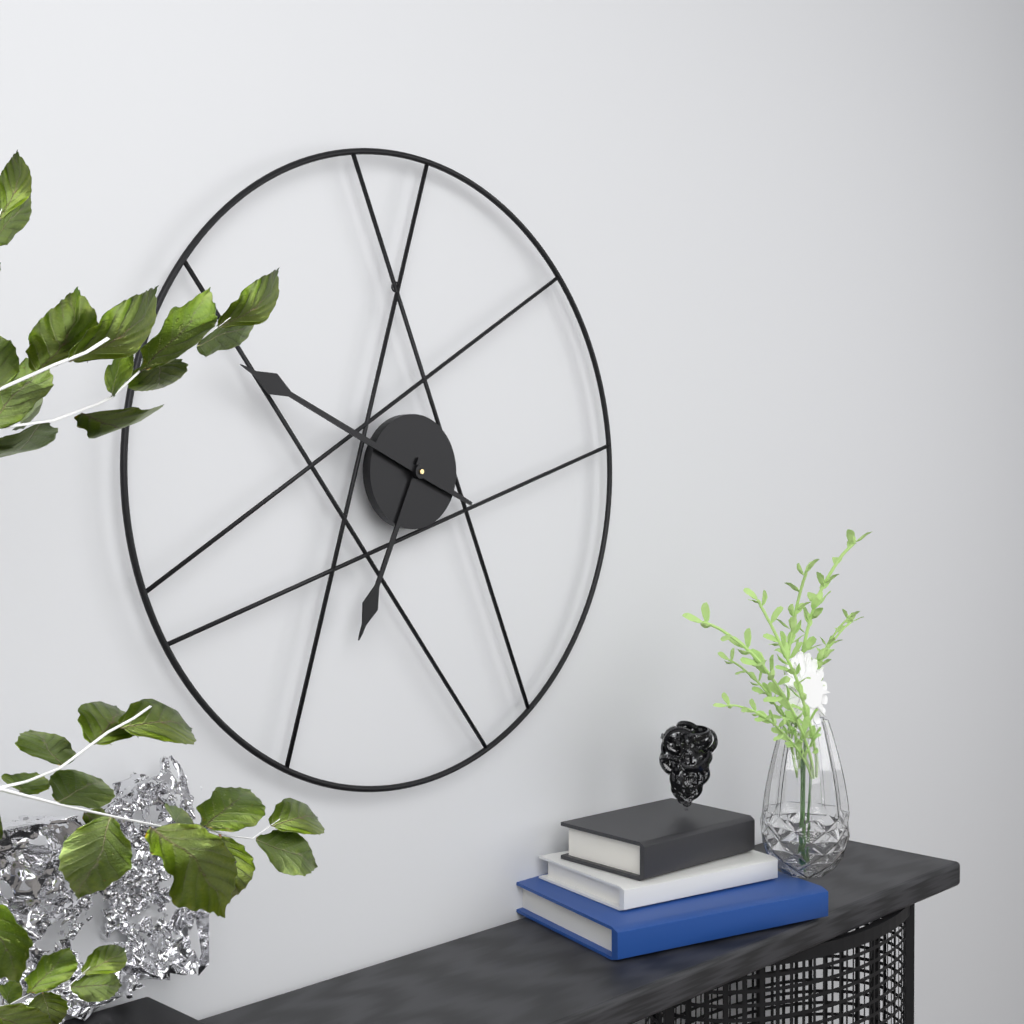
6:49
